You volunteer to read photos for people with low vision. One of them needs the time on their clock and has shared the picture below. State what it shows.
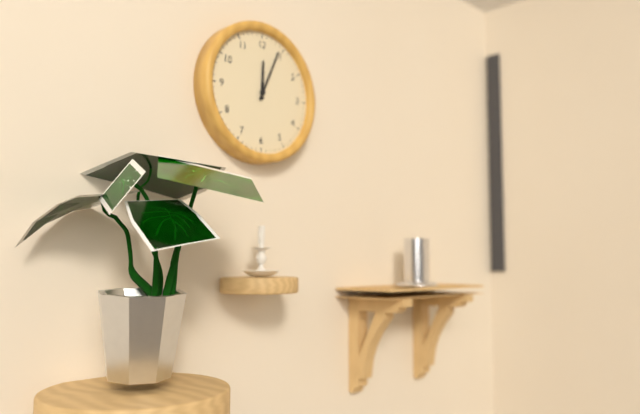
12:04
